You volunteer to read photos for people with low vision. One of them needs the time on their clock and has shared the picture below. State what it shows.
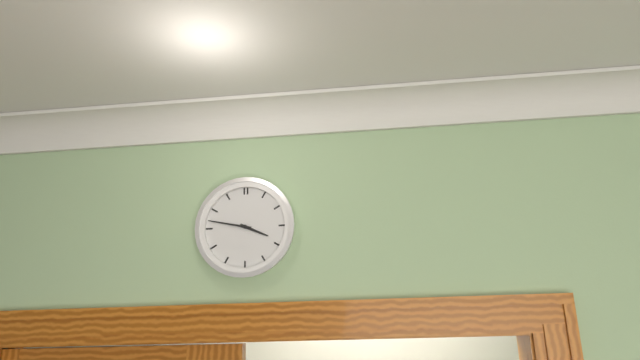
3:47
